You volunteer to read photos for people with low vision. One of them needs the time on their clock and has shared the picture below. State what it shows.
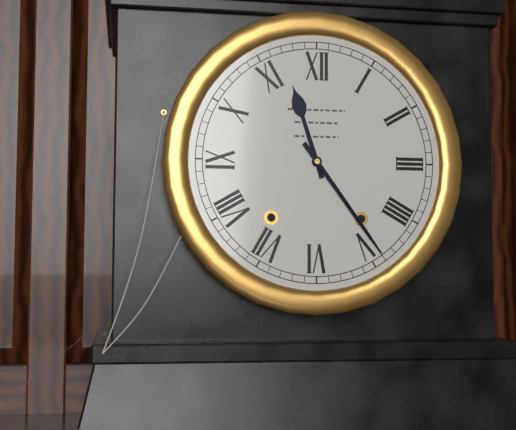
11:24
